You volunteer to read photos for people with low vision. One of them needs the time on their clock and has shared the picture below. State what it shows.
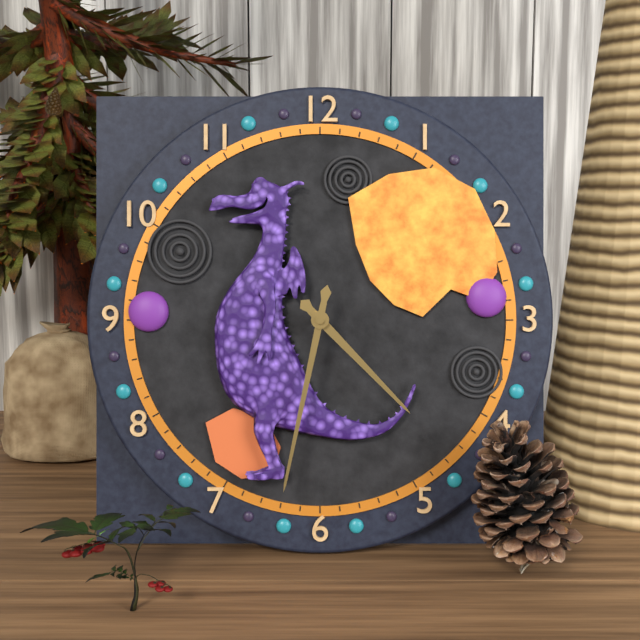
4:32
